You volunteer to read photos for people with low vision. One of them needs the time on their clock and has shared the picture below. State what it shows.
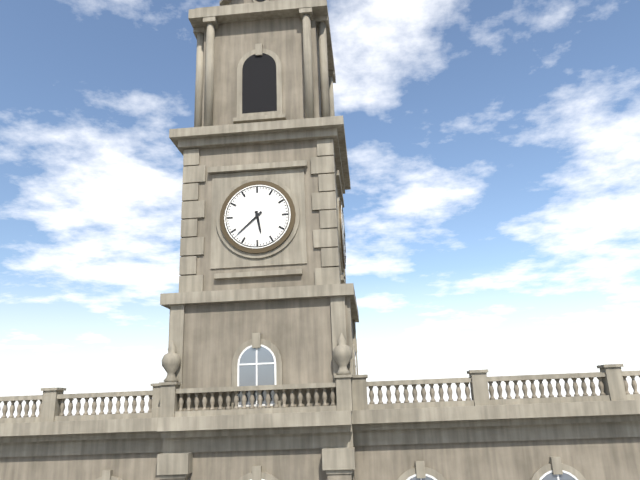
5:38
